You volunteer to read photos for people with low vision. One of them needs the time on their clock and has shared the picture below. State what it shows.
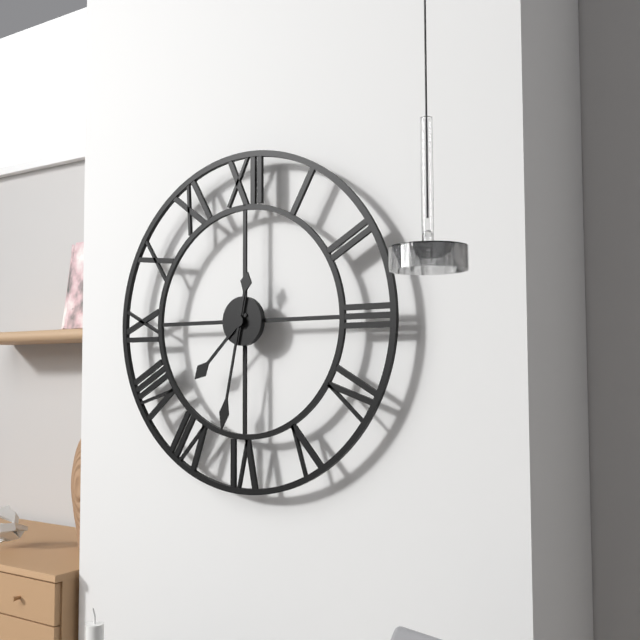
7:32
